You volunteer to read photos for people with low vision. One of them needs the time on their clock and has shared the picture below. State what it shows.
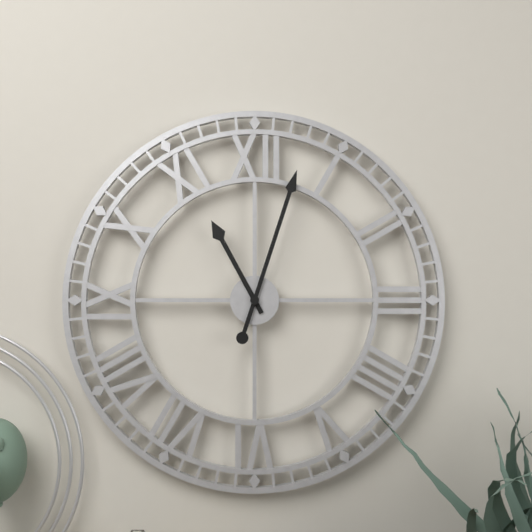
11:03
